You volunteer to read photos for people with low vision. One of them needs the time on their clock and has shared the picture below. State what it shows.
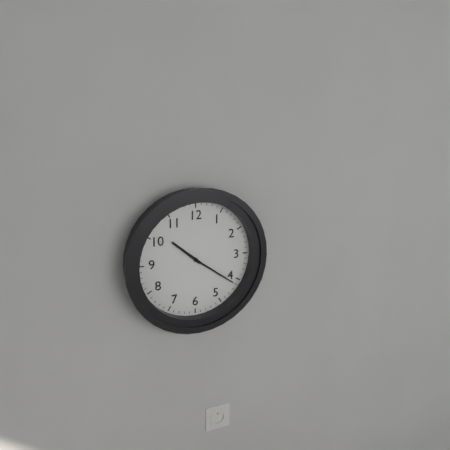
10:21
